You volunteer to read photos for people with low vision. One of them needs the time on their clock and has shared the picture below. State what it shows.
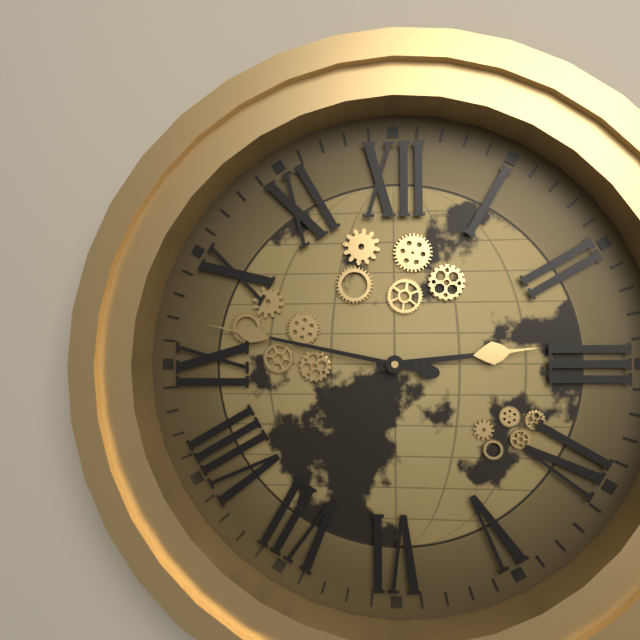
2:47
